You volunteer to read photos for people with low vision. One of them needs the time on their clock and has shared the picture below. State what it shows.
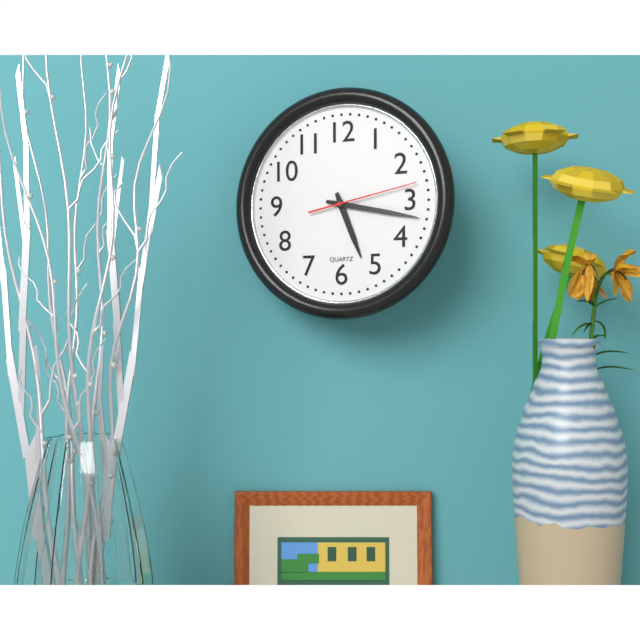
5:17:13
